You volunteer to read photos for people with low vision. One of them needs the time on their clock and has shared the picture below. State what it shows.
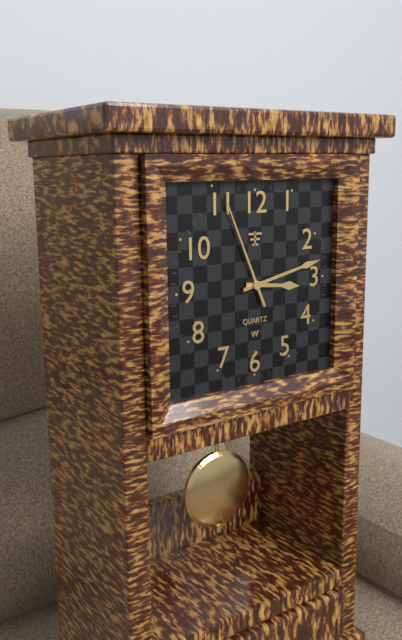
3:13:56
